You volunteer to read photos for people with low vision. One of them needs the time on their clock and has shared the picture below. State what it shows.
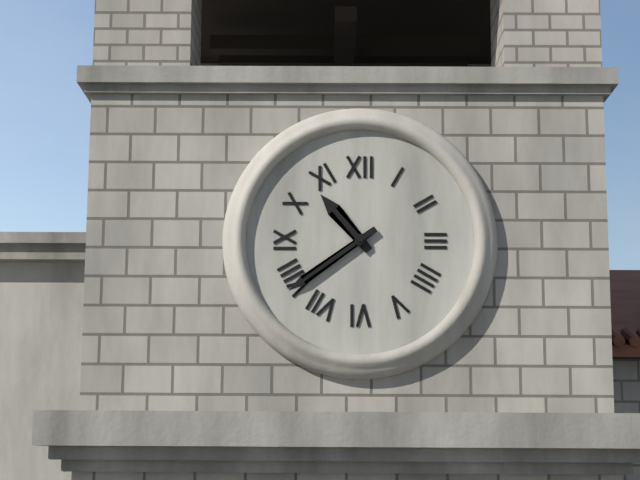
10:39
